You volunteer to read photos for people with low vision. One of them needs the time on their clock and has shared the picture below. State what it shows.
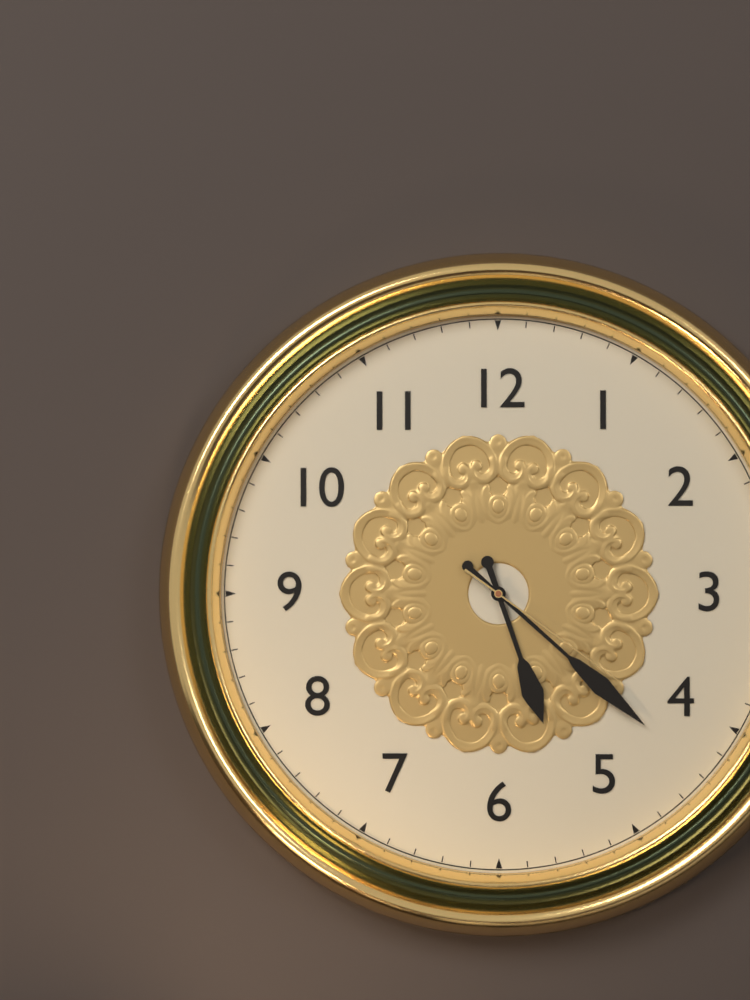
5:22:21
